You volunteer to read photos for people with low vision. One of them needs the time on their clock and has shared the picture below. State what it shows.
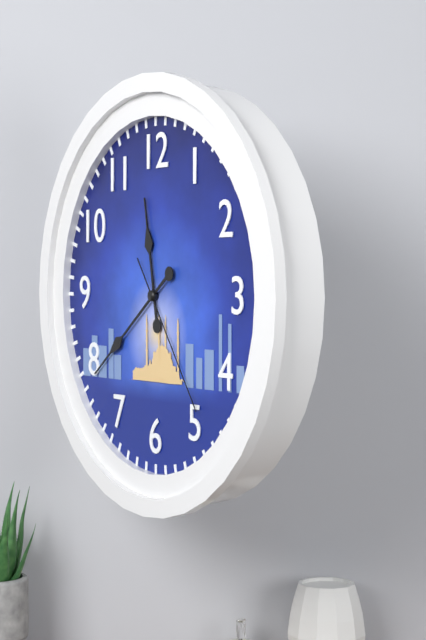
11:39:24
